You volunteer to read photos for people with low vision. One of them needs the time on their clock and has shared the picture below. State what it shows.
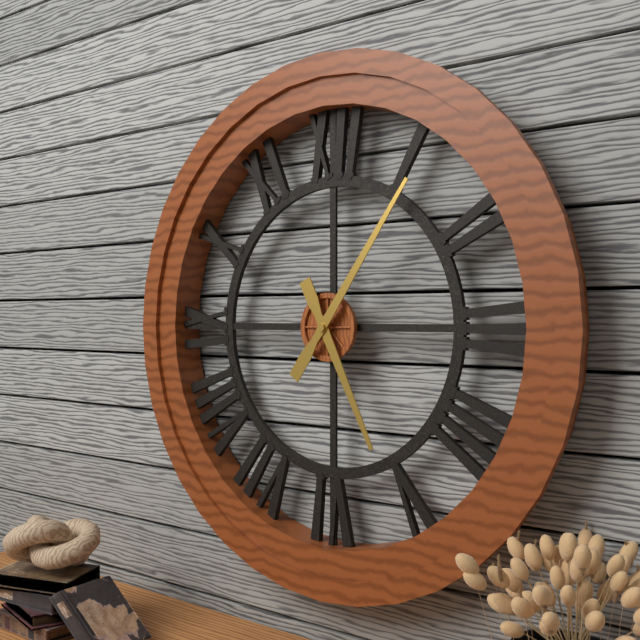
5:06
